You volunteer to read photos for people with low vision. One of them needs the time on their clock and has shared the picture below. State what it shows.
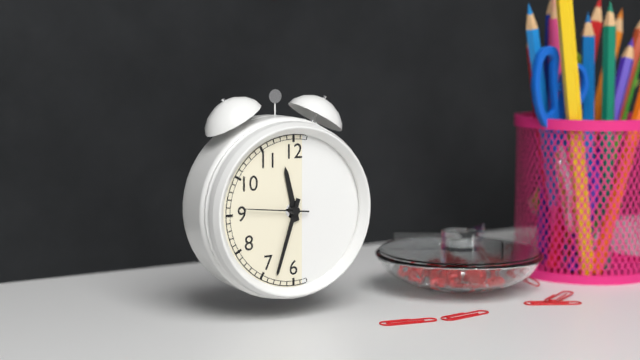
11:33:46
